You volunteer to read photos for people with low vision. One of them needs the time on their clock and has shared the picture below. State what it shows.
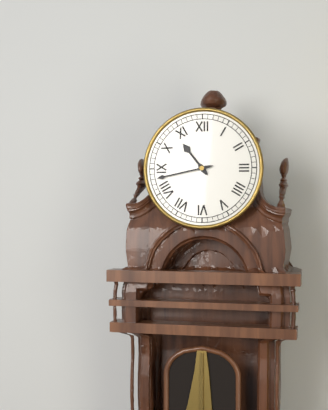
10:43
